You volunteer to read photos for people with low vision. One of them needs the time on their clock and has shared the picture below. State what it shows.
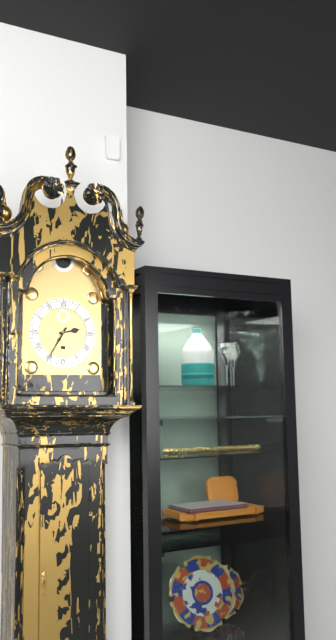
2:35
